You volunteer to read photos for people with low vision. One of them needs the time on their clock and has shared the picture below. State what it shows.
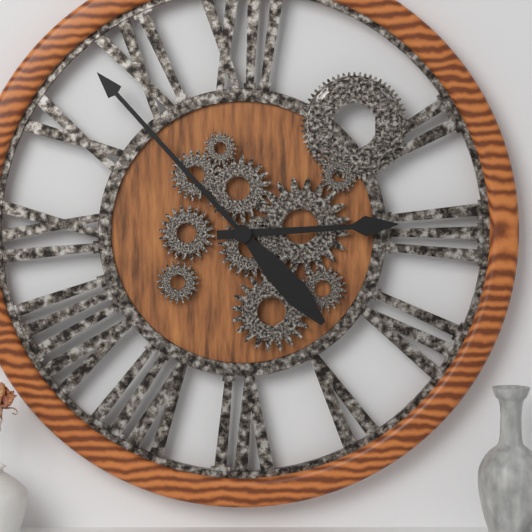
2:53
